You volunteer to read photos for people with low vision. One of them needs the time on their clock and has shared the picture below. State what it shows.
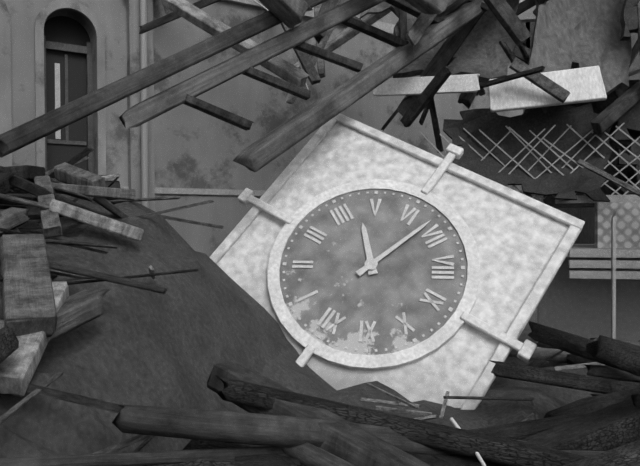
4:33
